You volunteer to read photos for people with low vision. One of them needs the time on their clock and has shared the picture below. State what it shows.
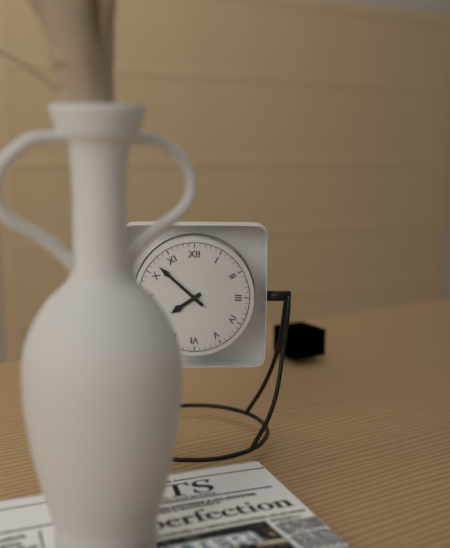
7:52
